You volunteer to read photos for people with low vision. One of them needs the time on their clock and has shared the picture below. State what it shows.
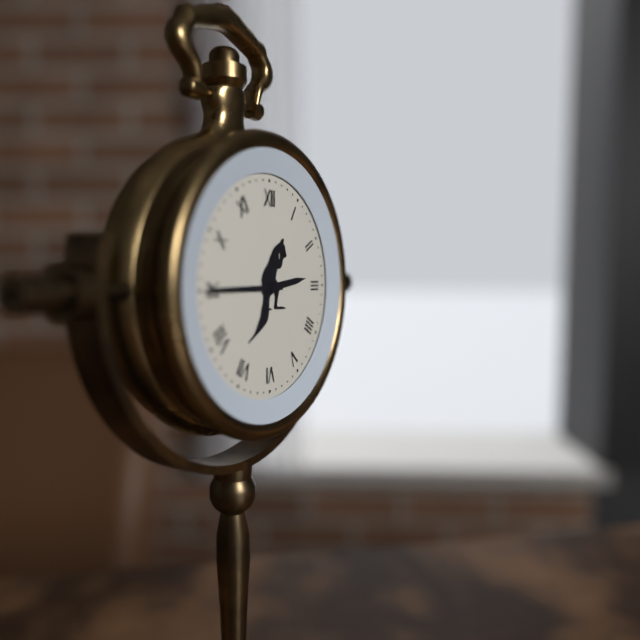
2:45
